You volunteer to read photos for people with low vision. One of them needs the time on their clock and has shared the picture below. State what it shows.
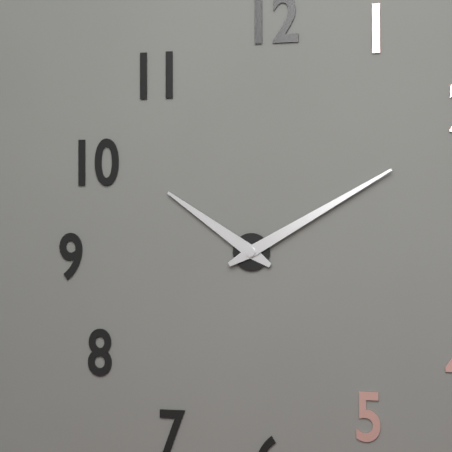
10:10
